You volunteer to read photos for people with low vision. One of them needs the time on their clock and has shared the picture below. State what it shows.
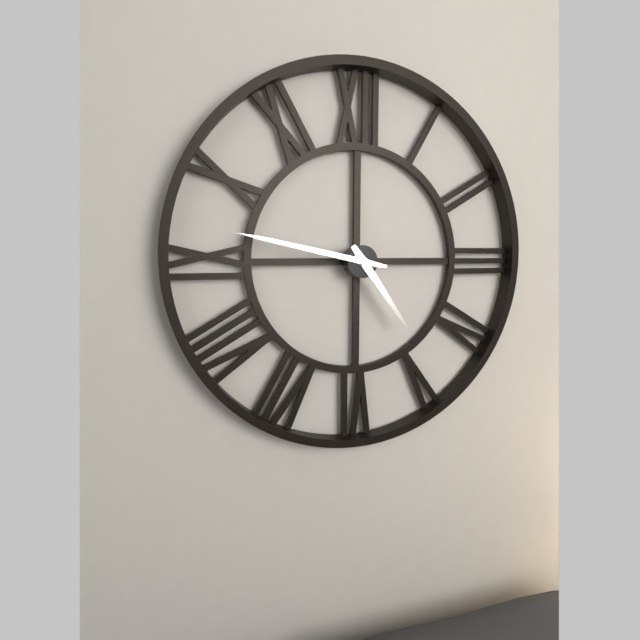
4:47
